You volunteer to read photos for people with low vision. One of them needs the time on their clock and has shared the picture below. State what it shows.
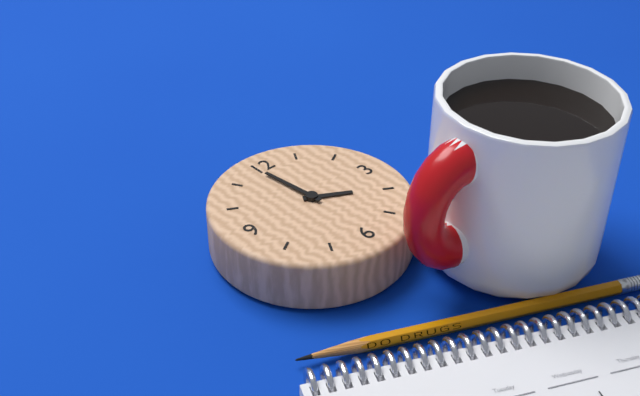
3:59
